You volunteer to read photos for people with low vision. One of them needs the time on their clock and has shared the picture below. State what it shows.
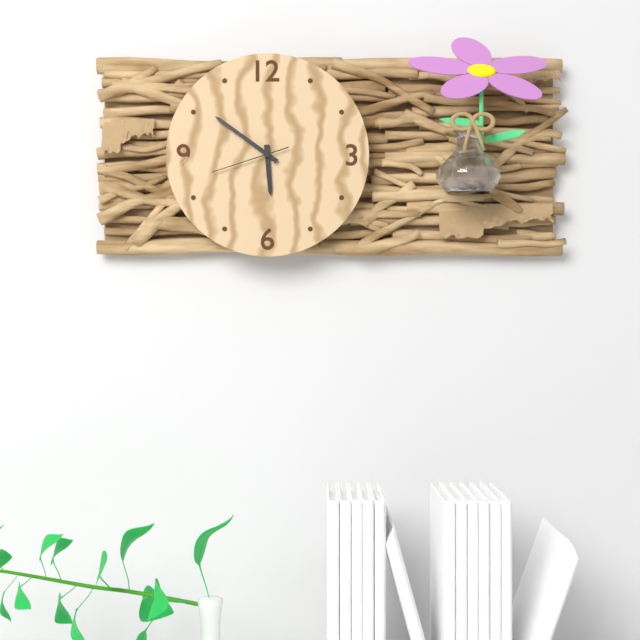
5:51:42
